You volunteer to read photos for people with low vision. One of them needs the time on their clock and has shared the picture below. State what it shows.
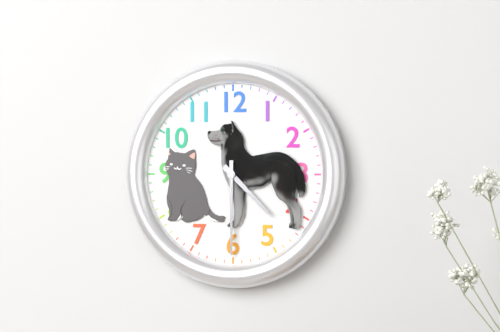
4:30
